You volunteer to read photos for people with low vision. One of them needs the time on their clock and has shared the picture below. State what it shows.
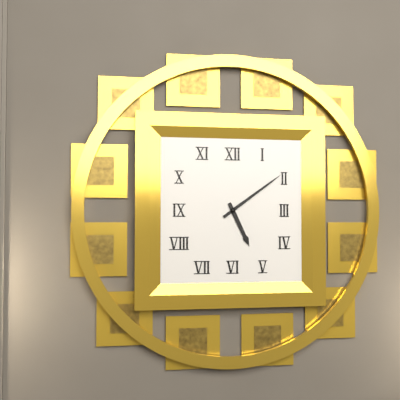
5:09
